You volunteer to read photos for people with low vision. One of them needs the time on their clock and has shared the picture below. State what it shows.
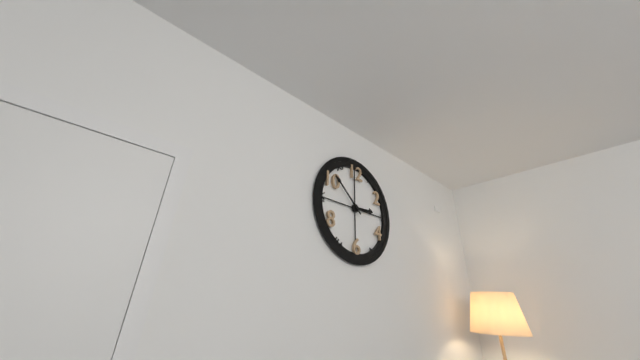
2:52
